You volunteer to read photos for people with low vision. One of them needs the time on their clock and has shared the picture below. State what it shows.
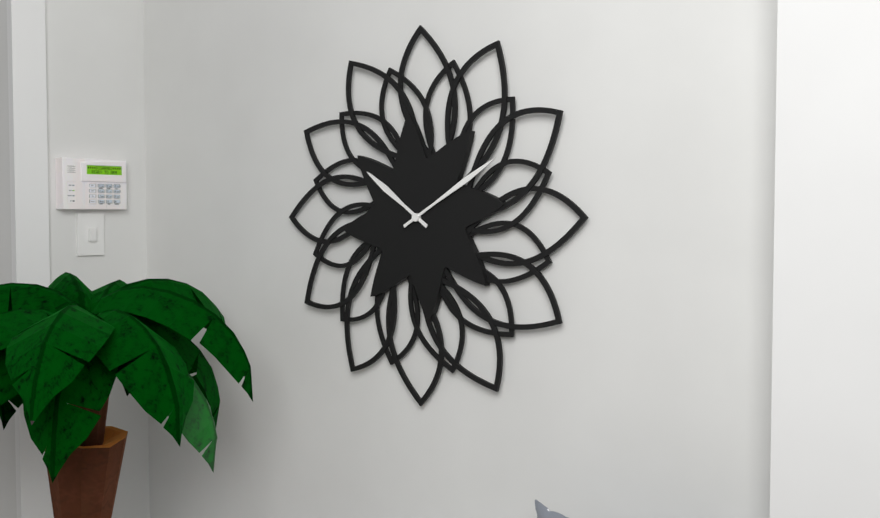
10:10
